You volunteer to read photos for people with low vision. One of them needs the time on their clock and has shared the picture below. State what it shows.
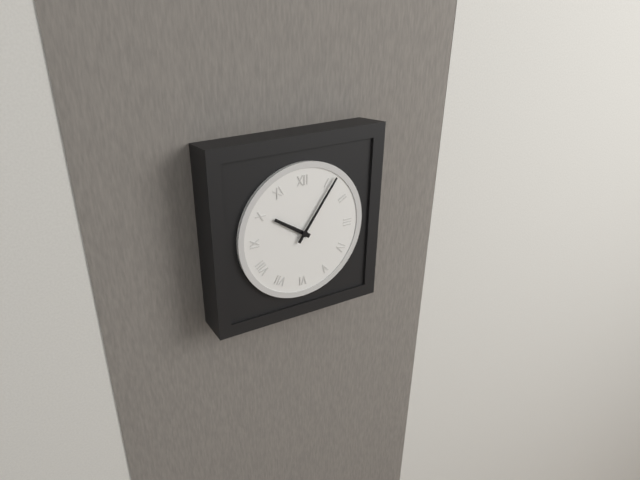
10:06
